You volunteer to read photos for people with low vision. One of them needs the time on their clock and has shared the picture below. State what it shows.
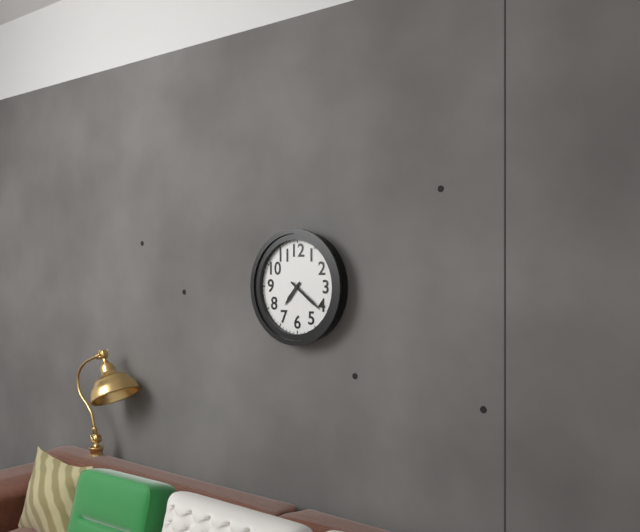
7:21
